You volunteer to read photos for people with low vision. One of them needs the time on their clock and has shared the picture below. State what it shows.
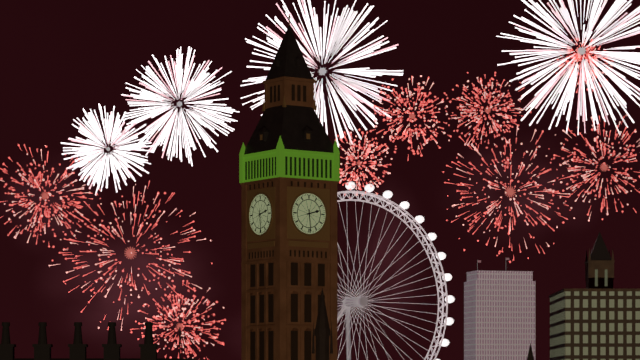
2:29
